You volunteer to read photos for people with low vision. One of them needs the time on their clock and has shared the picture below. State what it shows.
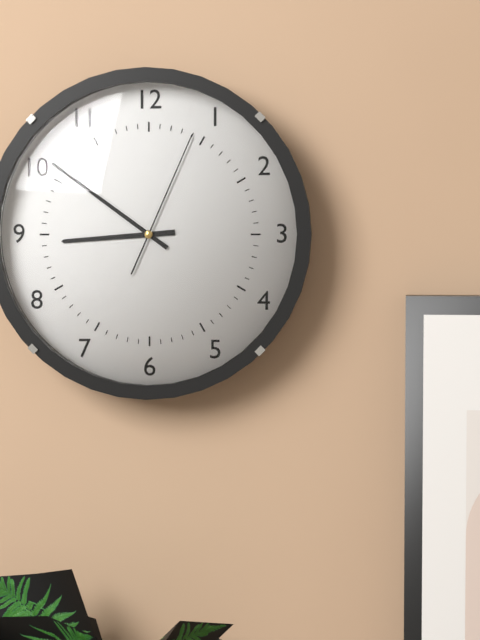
8:51:04
